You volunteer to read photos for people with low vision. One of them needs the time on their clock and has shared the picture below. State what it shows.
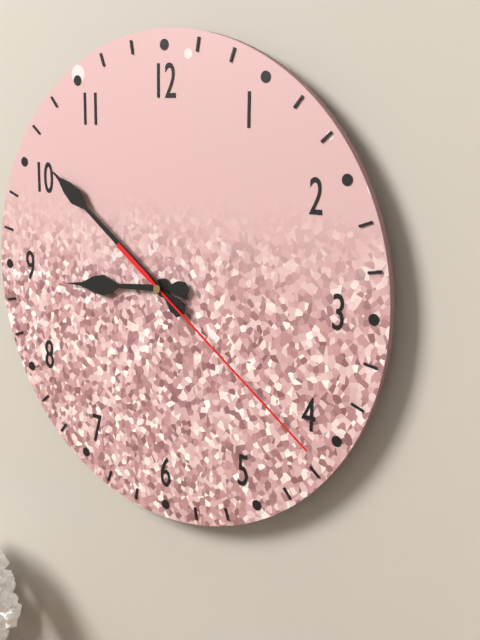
8:51:21
